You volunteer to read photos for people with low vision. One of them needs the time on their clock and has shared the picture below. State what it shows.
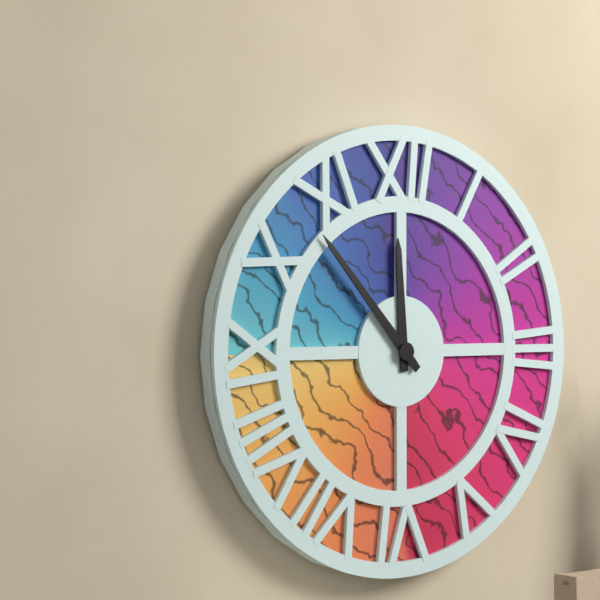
11:53
